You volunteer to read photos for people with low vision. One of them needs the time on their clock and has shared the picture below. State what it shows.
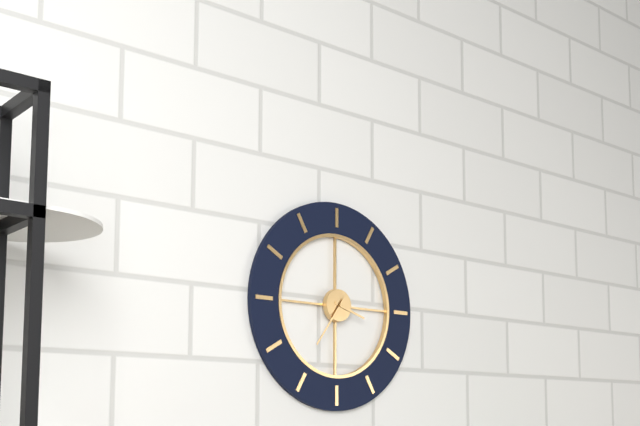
3:36
